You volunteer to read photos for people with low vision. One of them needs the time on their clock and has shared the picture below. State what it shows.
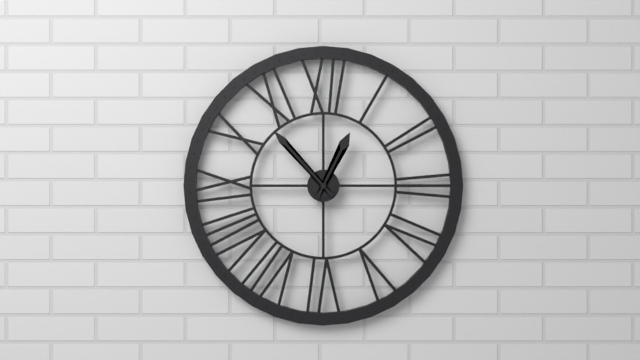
12:53
